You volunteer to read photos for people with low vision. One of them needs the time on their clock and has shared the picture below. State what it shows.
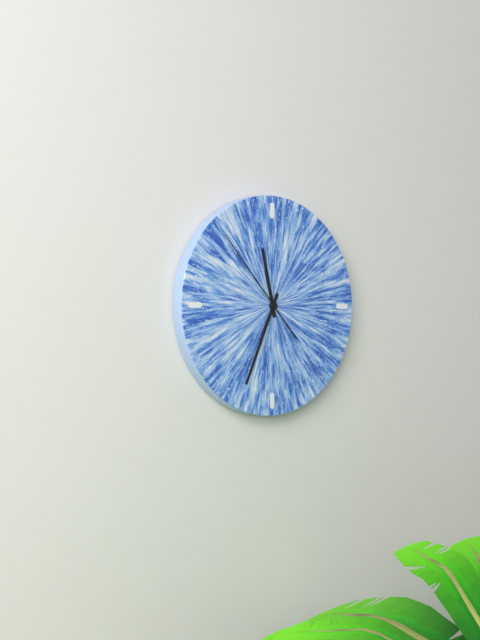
11:34:53
